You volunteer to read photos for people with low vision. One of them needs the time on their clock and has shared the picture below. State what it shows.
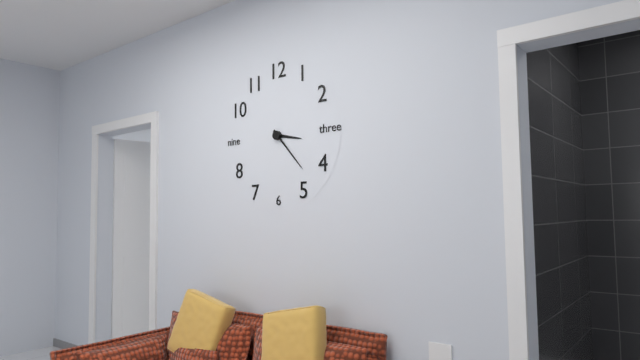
3:23
